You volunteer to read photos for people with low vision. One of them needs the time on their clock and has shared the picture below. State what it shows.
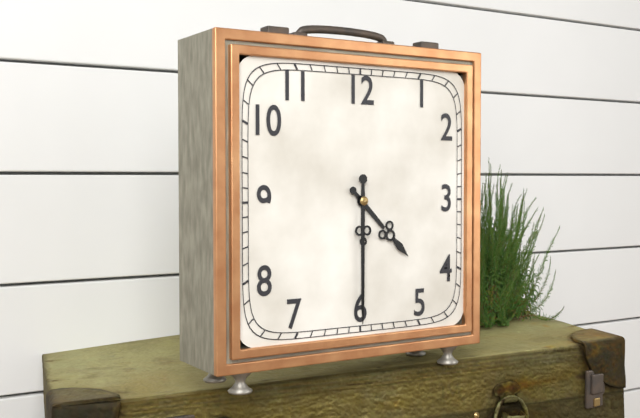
4:30
